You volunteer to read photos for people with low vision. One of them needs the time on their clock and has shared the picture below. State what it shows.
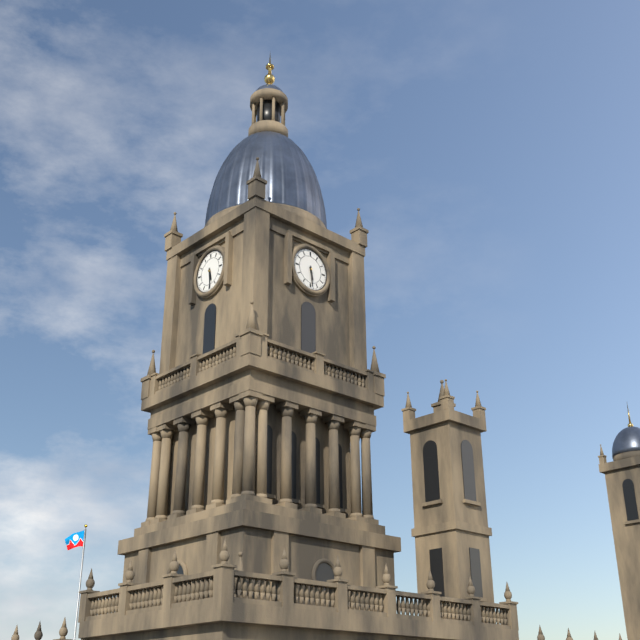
5:29
